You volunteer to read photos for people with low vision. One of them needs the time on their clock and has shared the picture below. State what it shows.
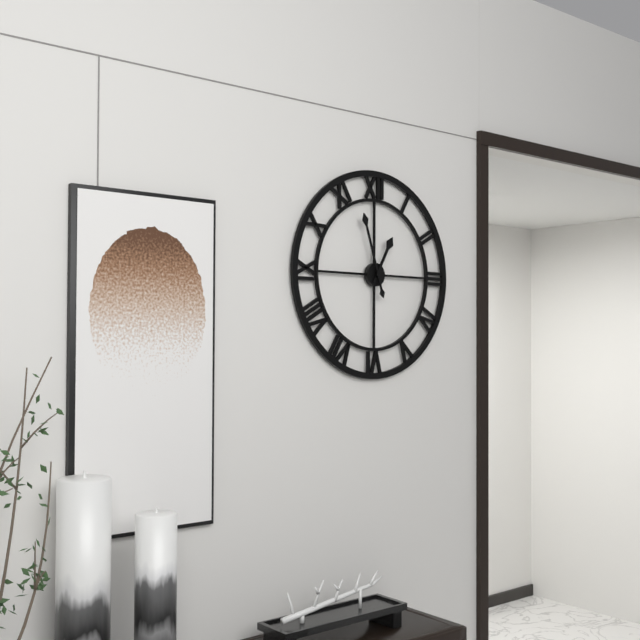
12:57
